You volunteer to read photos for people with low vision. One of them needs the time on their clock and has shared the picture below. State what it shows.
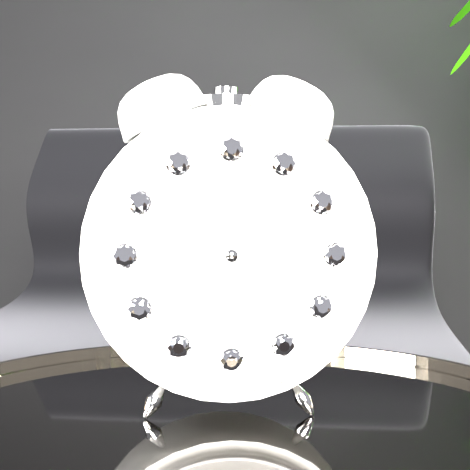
12:17:33
